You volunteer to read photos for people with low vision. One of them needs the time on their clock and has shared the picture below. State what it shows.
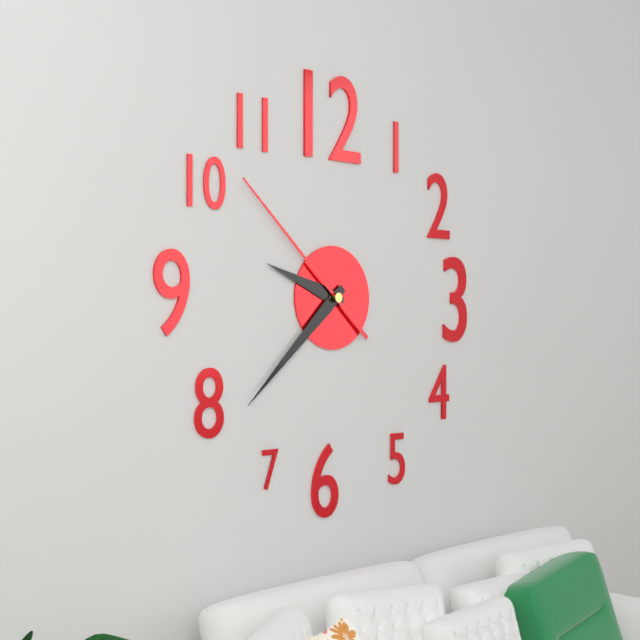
9:38:52
